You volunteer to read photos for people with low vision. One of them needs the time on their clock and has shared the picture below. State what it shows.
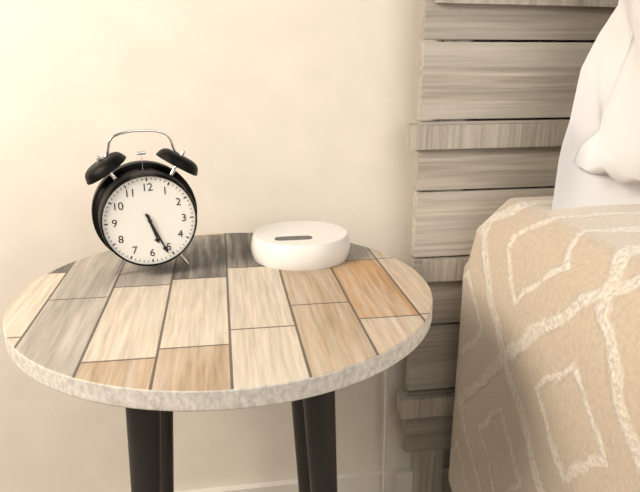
5:26
